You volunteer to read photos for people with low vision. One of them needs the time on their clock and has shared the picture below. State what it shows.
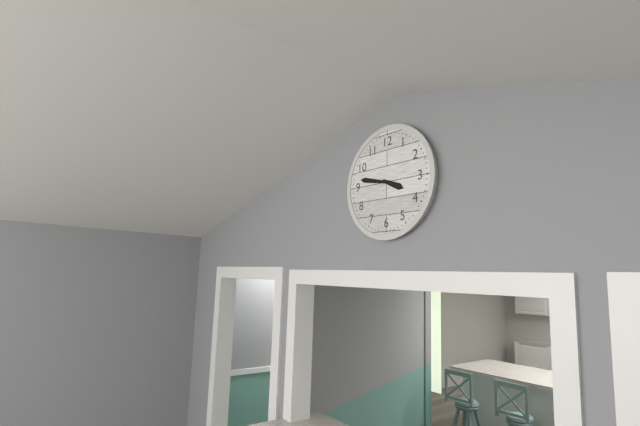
3:47
